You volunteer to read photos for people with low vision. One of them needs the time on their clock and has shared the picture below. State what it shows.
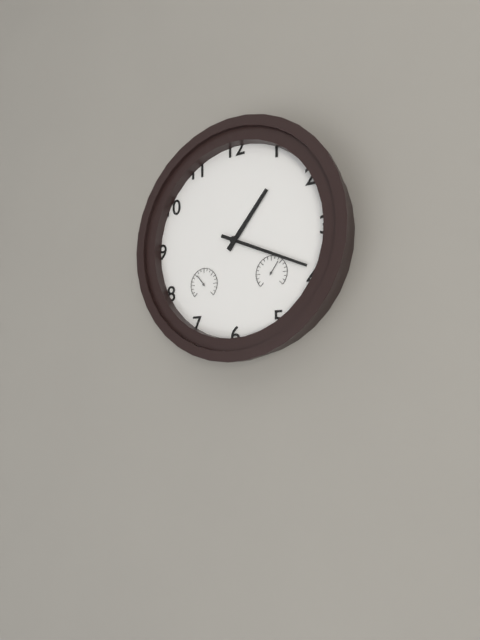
1:19
